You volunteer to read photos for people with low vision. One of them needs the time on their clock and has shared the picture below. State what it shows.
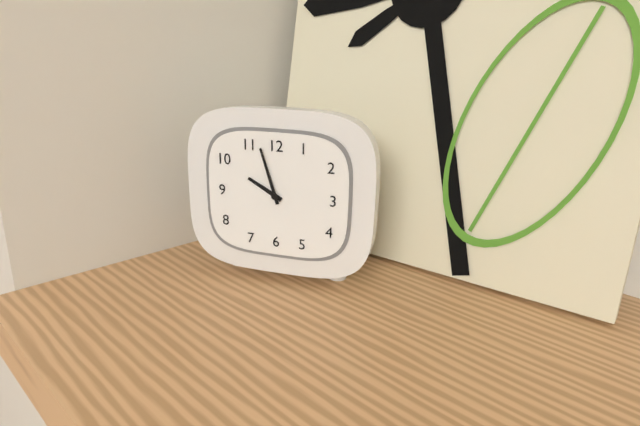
9:57
